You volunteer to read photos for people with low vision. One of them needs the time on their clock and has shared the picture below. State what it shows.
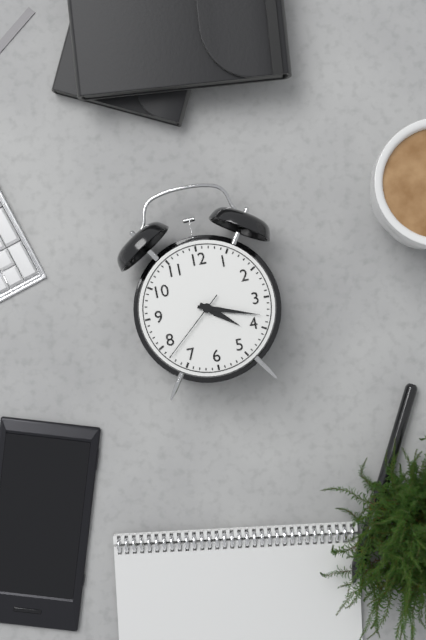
4:18:38
